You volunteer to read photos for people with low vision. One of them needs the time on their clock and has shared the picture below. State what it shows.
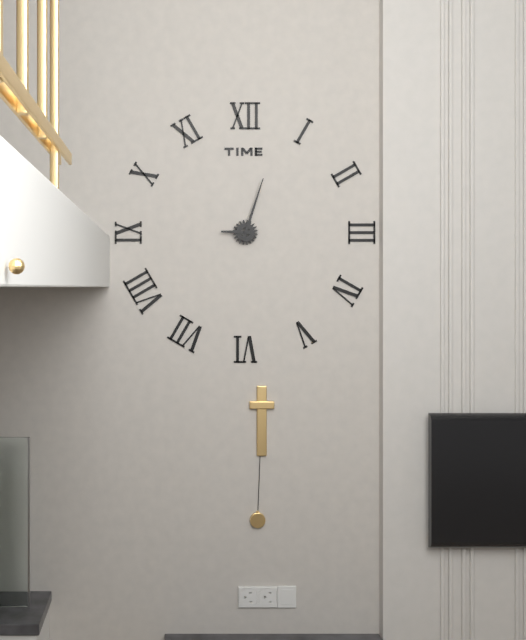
9:03
